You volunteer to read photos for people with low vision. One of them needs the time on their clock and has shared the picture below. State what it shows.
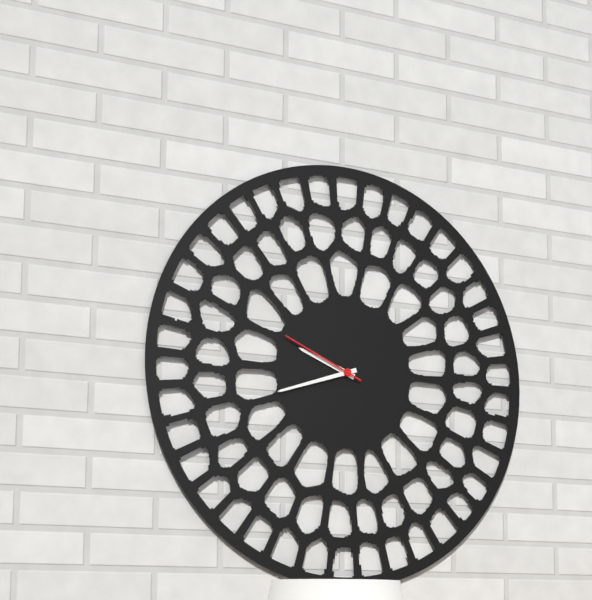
9:42:49
